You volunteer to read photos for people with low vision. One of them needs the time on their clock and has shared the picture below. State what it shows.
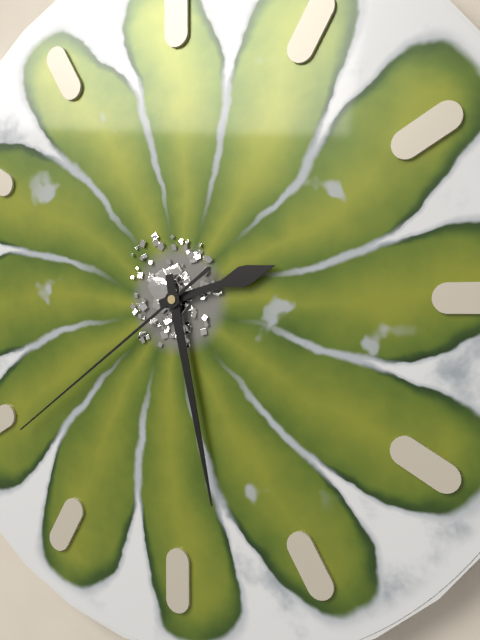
2:28:39
